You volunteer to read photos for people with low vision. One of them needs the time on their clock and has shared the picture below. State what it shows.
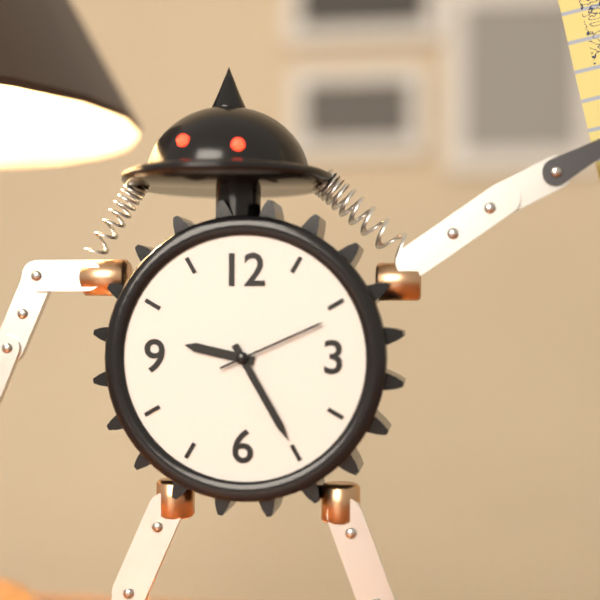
9:25:11
